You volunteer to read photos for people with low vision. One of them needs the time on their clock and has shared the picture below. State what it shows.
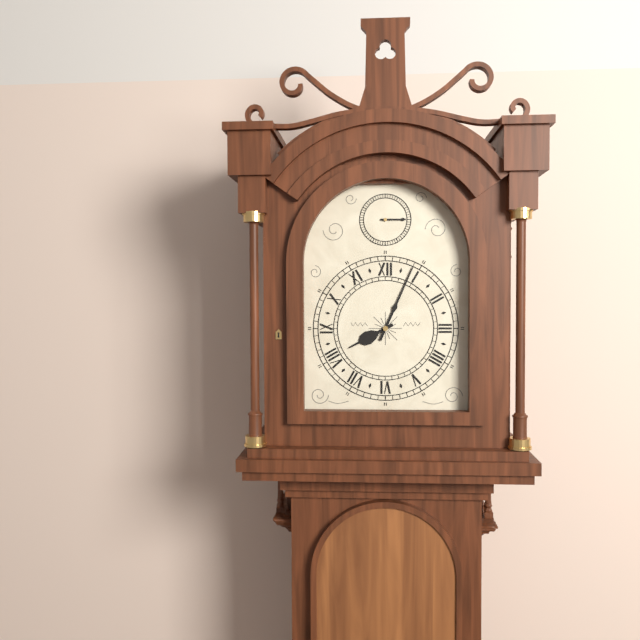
8:04
